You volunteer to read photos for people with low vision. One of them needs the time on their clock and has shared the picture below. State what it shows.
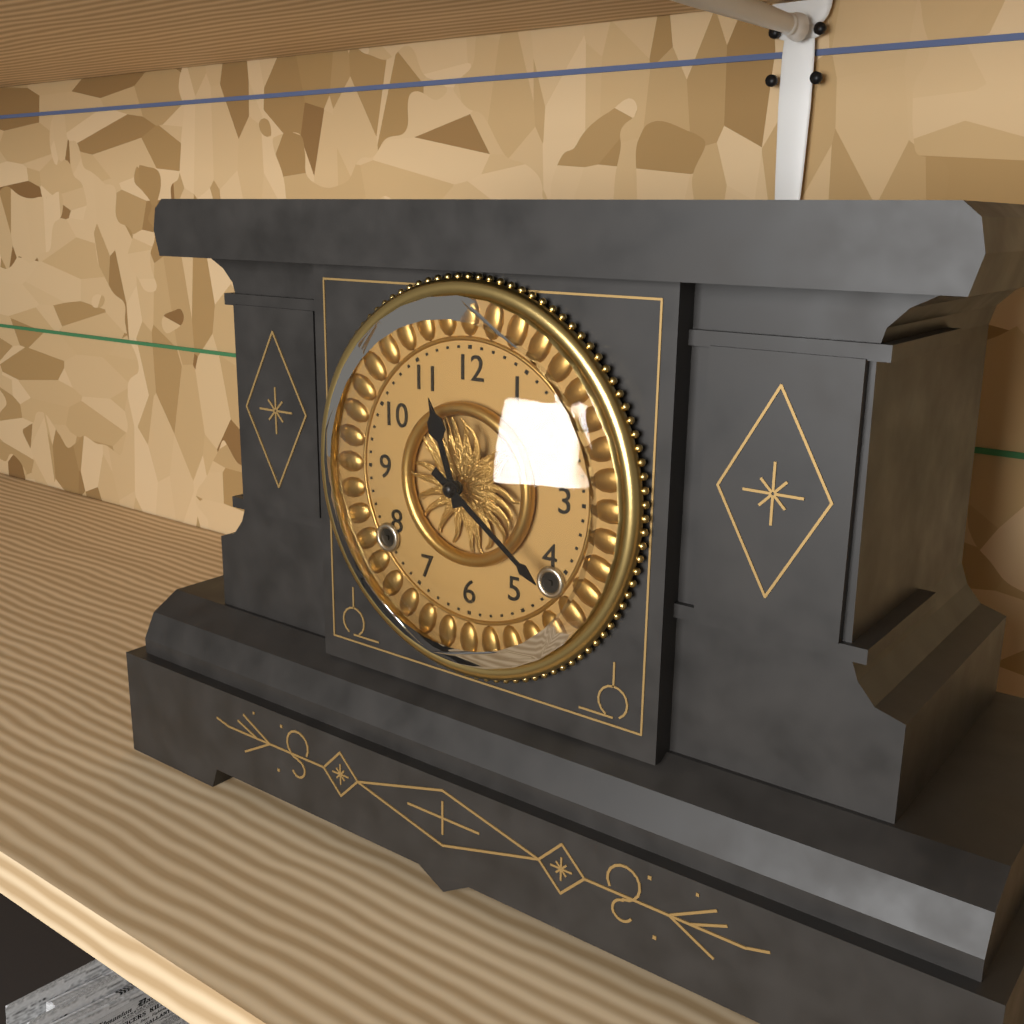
11:21
